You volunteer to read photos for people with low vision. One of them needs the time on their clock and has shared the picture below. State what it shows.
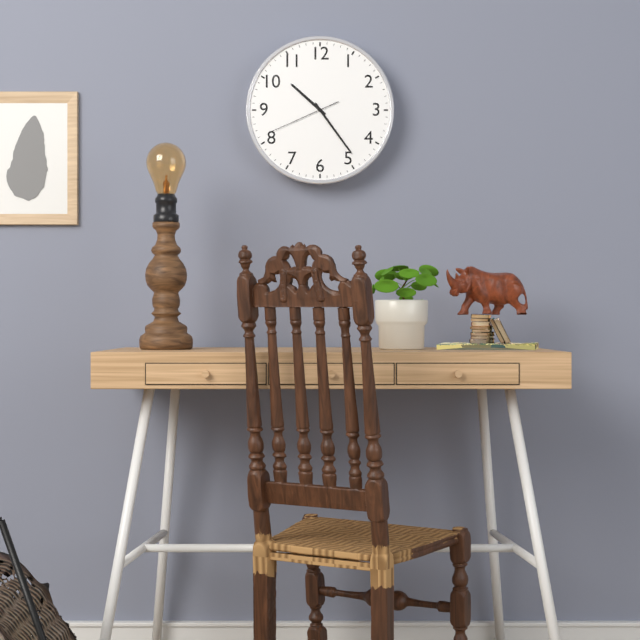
10:24:41
